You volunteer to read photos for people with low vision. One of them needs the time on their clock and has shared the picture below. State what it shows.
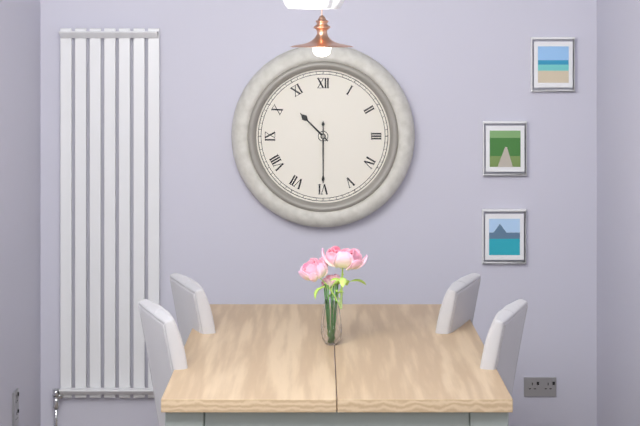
10:30
